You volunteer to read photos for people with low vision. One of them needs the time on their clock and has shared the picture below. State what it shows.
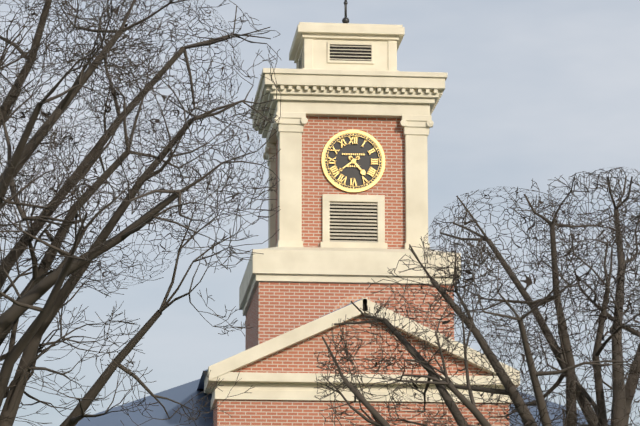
4:39
